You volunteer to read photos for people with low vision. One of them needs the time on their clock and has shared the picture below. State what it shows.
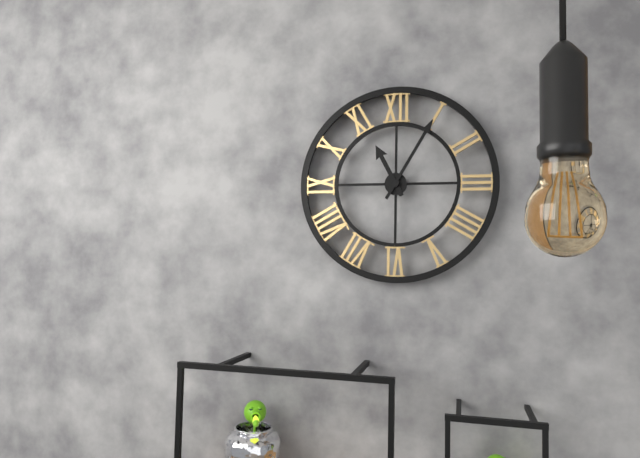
11:05
